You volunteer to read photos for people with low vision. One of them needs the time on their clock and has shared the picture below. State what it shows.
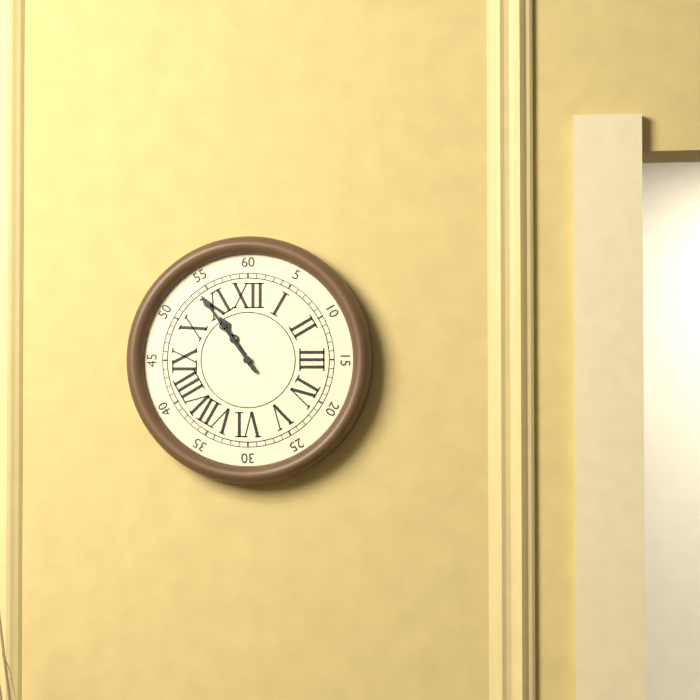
10:54
